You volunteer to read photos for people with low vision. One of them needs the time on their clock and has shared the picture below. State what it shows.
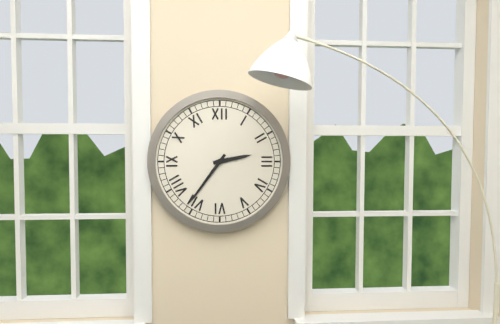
2:36
